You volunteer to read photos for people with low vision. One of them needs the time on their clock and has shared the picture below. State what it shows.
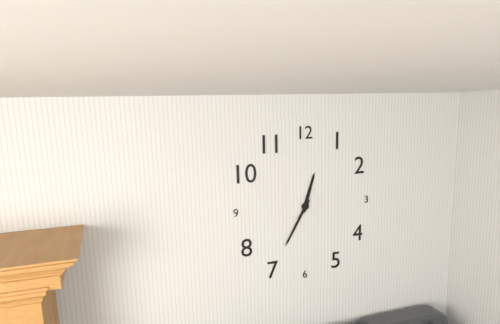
12:35
